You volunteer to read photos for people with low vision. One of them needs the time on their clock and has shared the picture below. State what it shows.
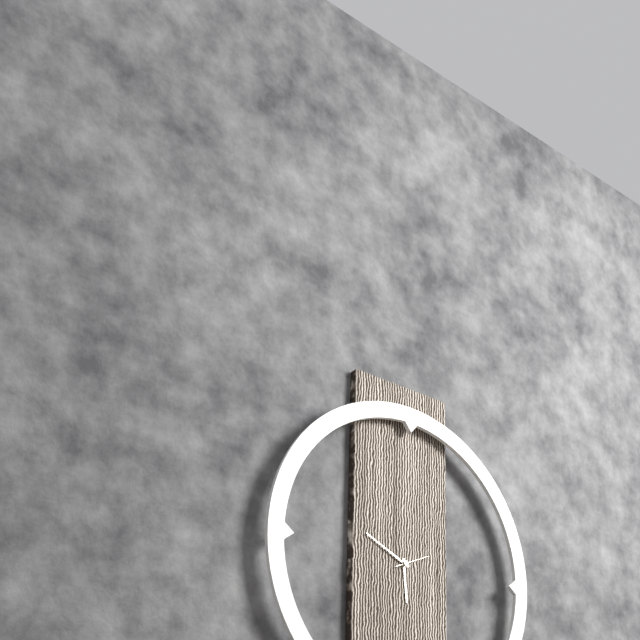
5:49
